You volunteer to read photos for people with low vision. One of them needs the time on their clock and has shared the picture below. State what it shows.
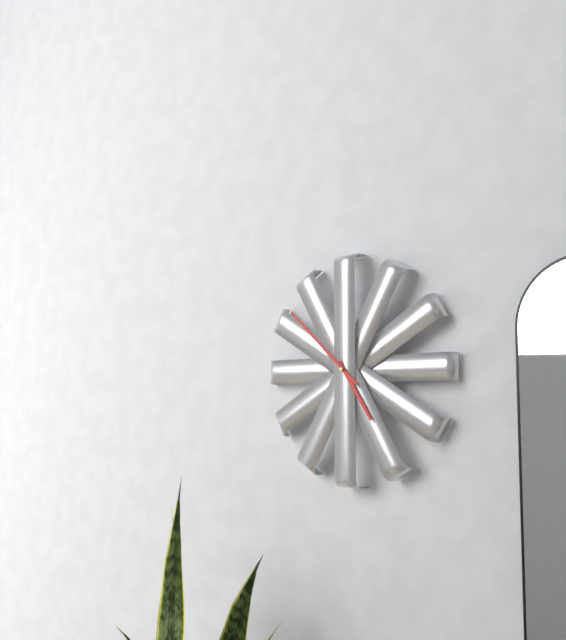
4:52
